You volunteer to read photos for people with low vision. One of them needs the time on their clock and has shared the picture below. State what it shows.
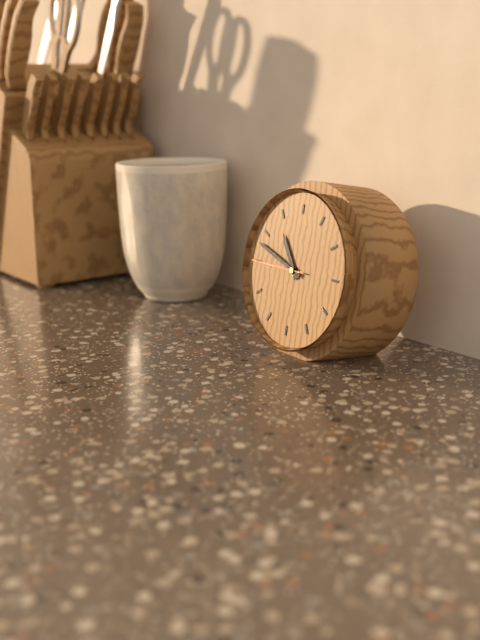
10:48:45
